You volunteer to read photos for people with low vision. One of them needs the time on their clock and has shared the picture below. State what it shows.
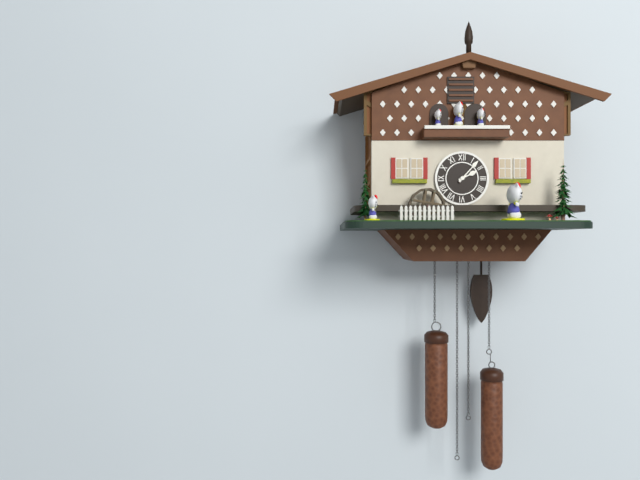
2:07
